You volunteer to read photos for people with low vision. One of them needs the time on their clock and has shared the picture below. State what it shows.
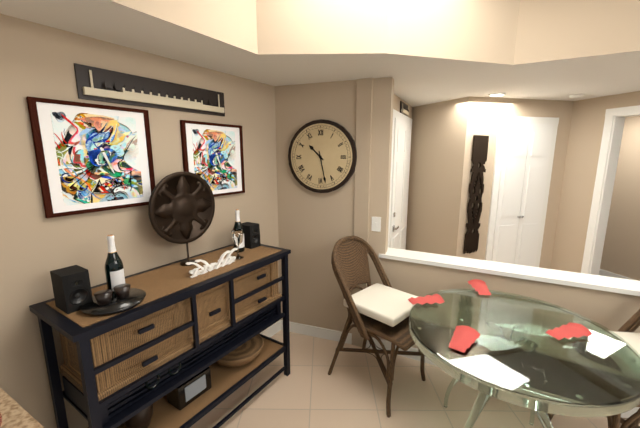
10:28
